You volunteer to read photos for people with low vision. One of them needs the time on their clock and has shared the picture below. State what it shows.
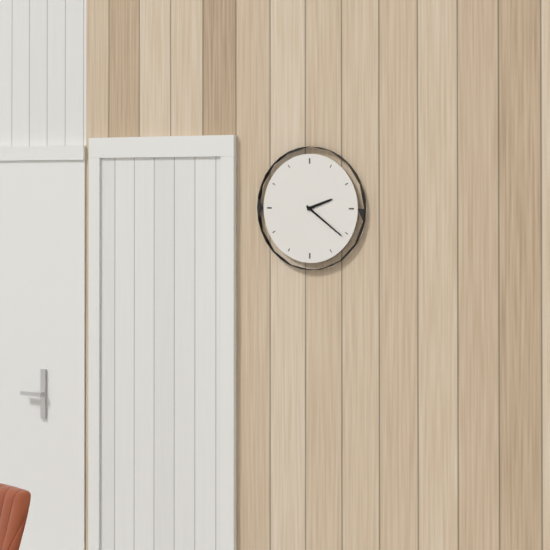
2:21
